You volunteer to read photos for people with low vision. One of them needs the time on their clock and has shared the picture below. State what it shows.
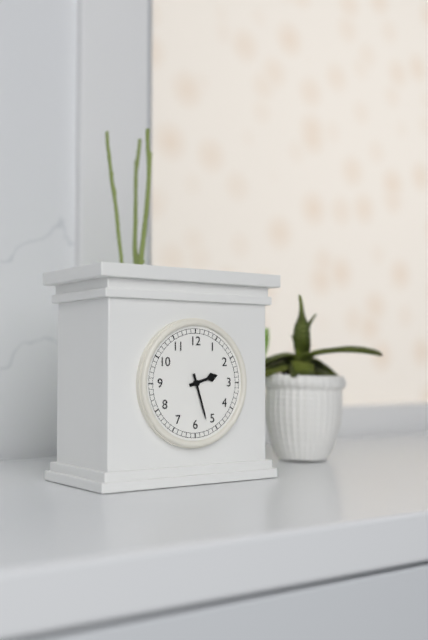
2:27
